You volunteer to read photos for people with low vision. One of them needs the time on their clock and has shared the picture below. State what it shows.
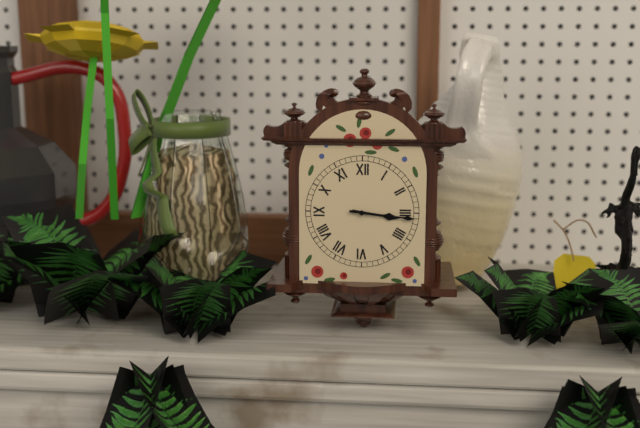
3:16
